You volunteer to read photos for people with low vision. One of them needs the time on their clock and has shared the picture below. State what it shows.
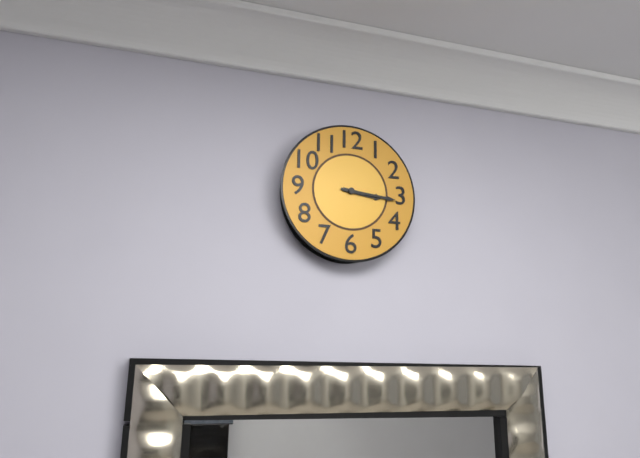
3:16
